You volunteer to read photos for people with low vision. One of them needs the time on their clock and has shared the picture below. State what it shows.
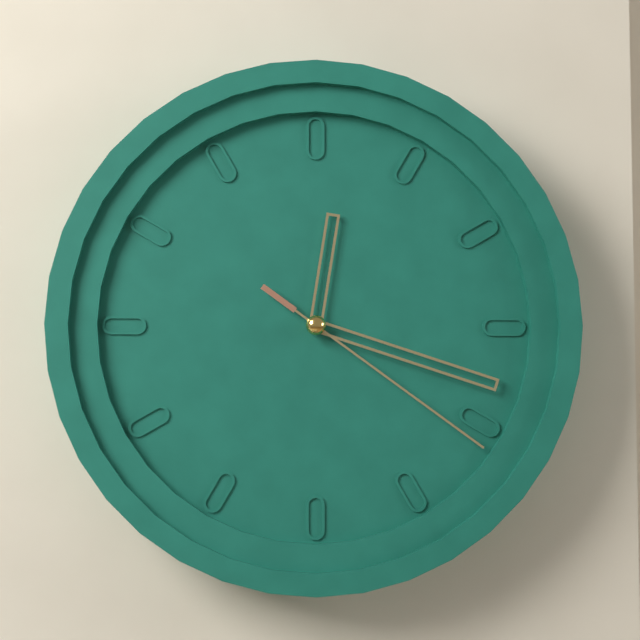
12:18:21
